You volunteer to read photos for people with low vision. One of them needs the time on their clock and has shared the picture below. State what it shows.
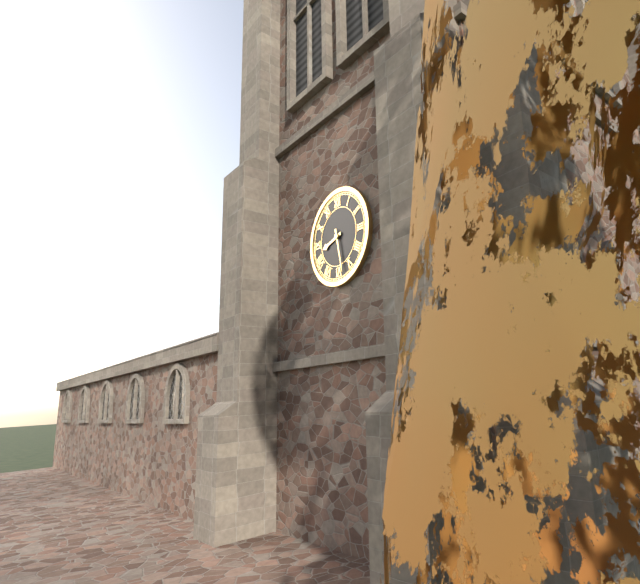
8:28
